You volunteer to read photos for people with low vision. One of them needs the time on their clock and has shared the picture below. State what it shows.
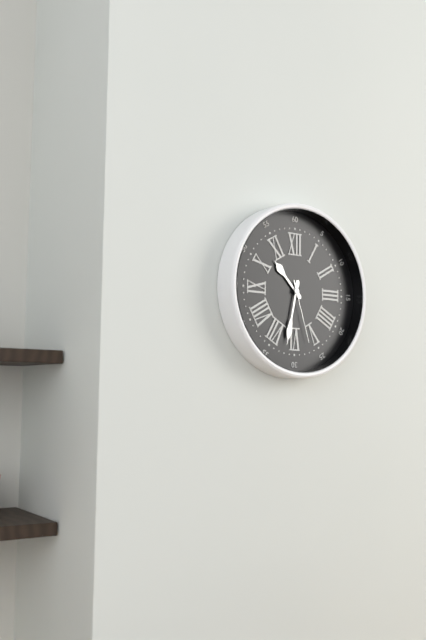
10:32:27
